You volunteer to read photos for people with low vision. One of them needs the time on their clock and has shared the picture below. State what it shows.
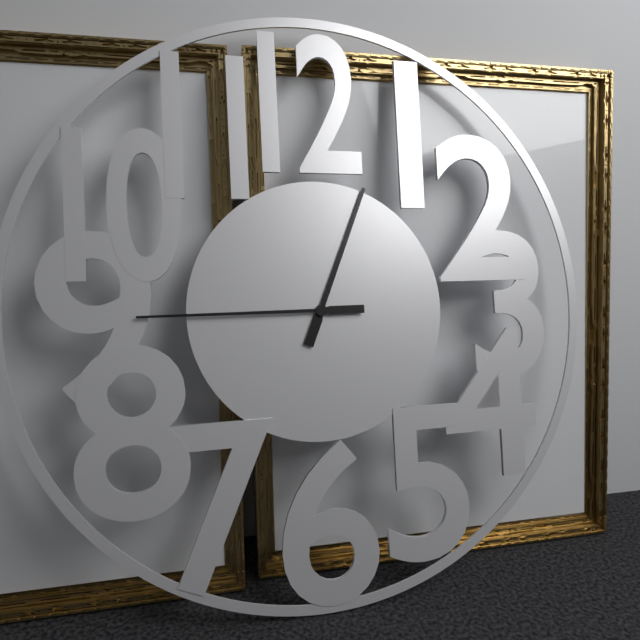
12:45
